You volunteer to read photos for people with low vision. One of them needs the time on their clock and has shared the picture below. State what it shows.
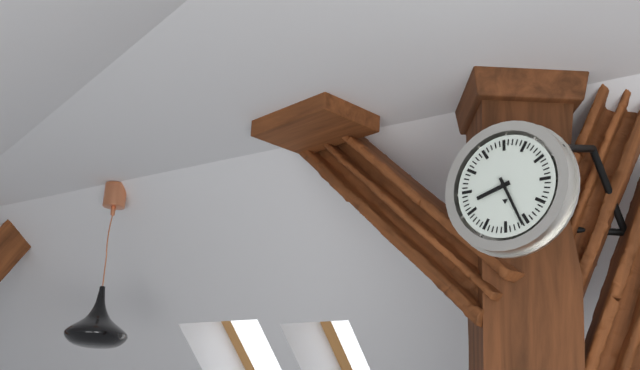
8:26
